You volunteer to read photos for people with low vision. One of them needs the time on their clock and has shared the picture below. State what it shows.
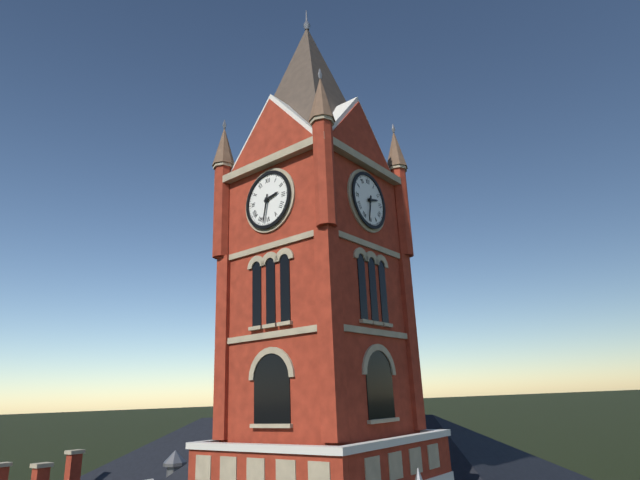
2:32
